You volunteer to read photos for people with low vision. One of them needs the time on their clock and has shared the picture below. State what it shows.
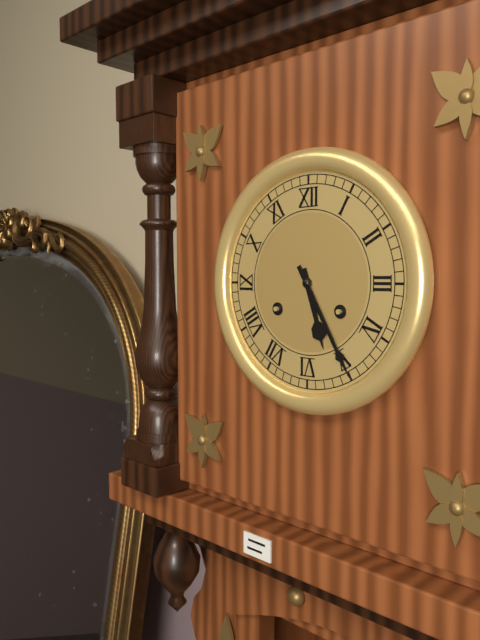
5:25
